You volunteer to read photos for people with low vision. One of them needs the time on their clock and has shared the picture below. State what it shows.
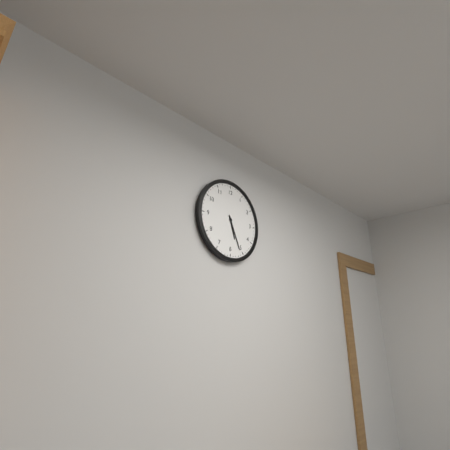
5:26
